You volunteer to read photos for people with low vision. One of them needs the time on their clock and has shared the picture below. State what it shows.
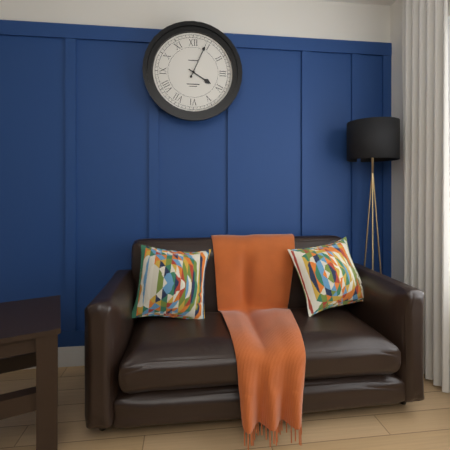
4:04
